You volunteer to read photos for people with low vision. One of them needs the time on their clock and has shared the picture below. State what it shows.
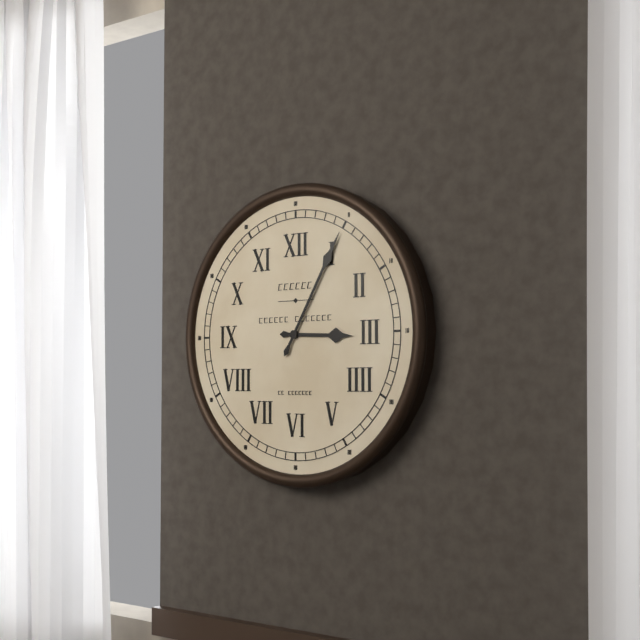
3:05
